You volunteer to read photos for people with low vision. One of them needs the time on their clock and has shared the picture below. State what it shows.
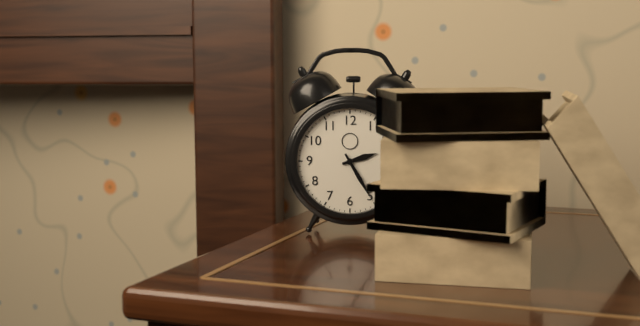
2:25
